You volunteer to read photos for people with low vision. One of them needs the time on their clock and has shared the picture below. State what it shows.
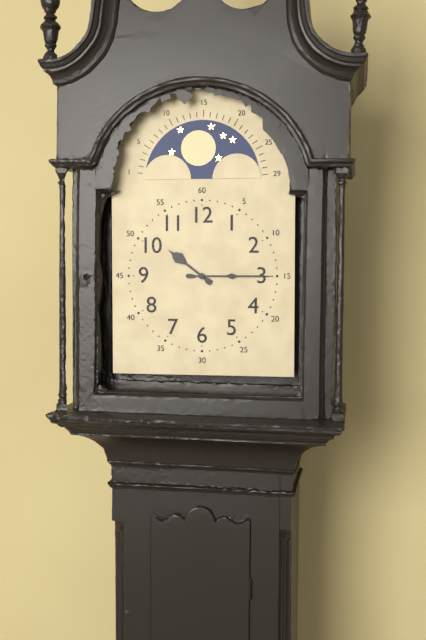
10:15
